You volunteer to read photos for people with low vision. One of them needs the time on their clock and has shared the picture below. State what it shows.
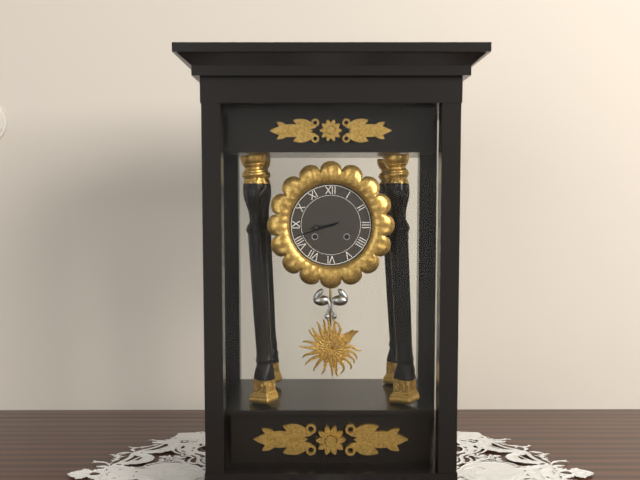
8:42
